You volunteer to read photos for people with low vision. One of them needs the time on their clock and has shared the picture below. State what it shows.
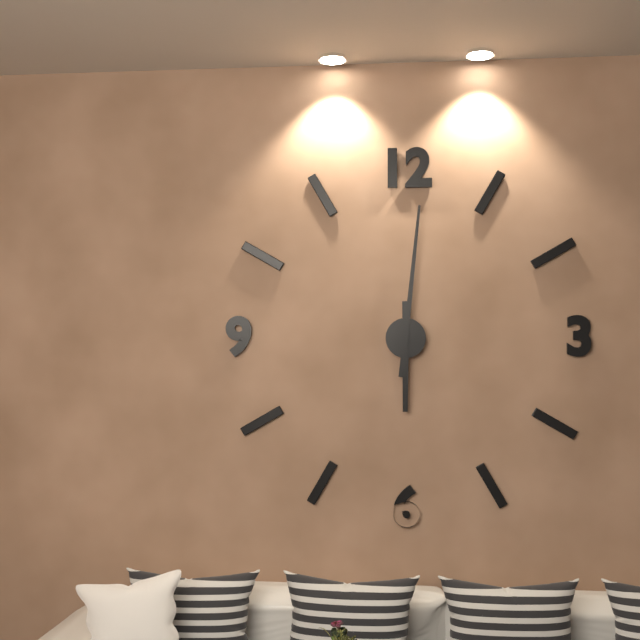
6:01
